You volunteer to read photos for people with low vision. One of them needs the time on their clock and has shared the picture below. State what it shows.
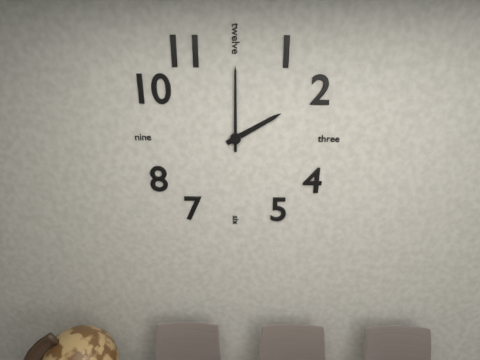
2:00
